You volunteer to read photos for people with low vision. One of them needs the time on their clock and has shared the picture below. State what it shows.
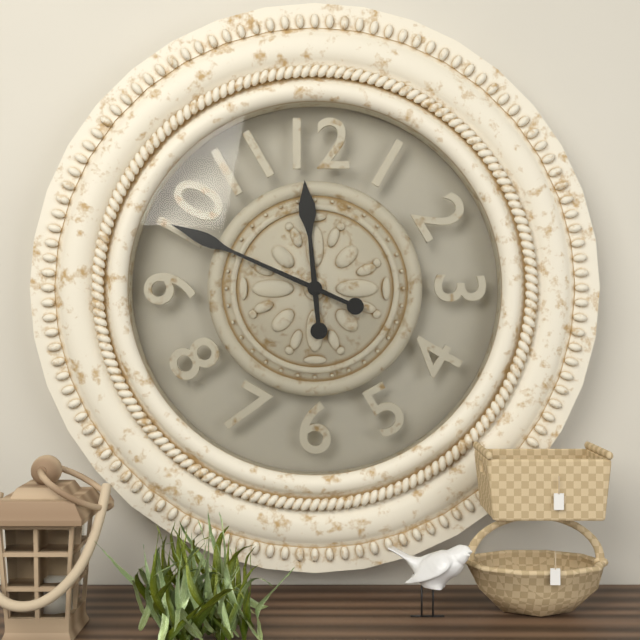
11:49
